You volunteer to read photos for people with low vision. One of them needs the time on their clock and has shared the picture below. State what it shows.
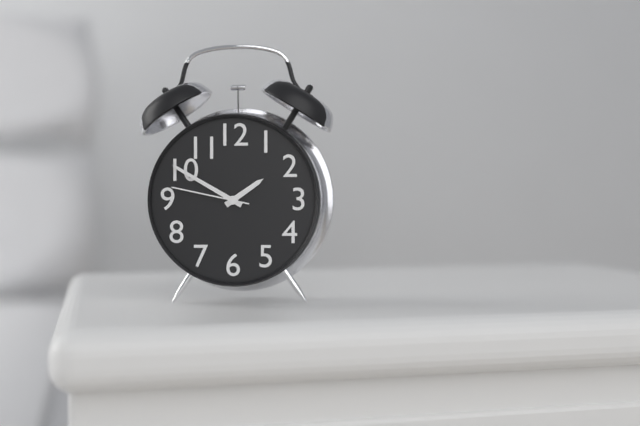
1:50:47
